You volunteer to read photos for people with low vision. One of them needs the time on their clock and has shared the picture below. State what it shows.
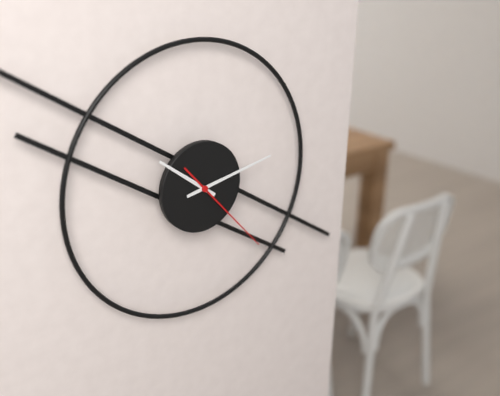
10:13:23
